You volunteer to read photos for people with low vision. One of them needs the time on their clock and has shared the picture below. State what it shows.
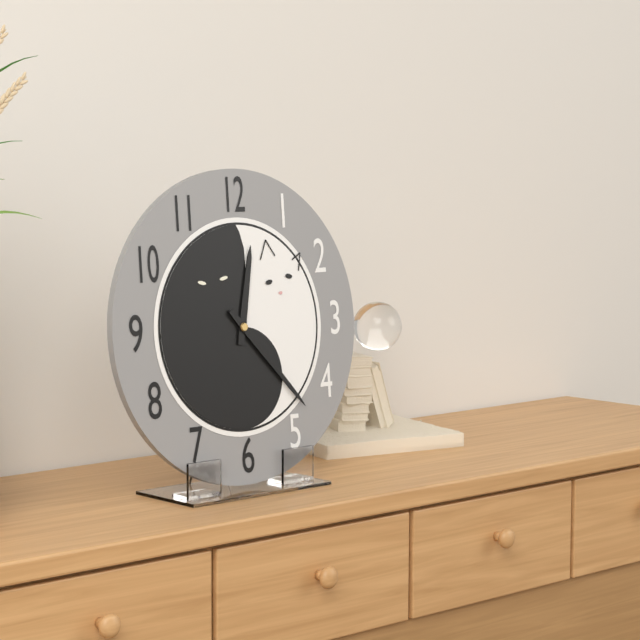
12:23
